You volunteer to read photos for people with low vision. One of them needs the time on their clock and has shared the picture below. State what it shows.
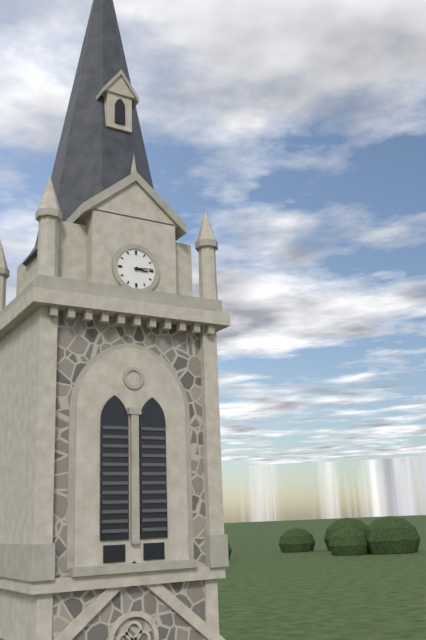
3:14
